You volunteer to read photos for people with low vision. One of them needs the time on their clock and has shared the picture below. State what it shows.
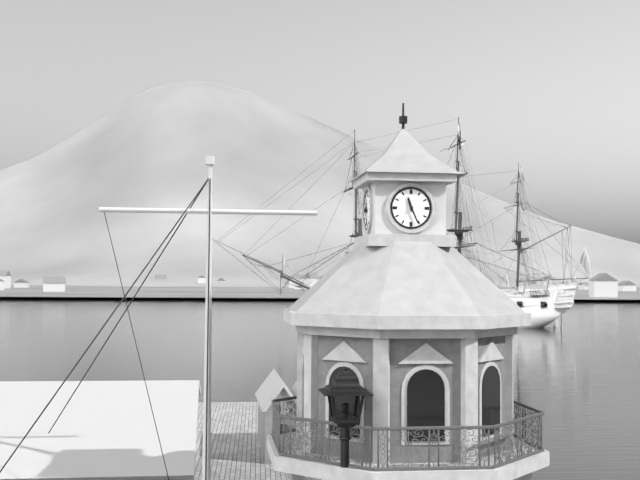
11:26
